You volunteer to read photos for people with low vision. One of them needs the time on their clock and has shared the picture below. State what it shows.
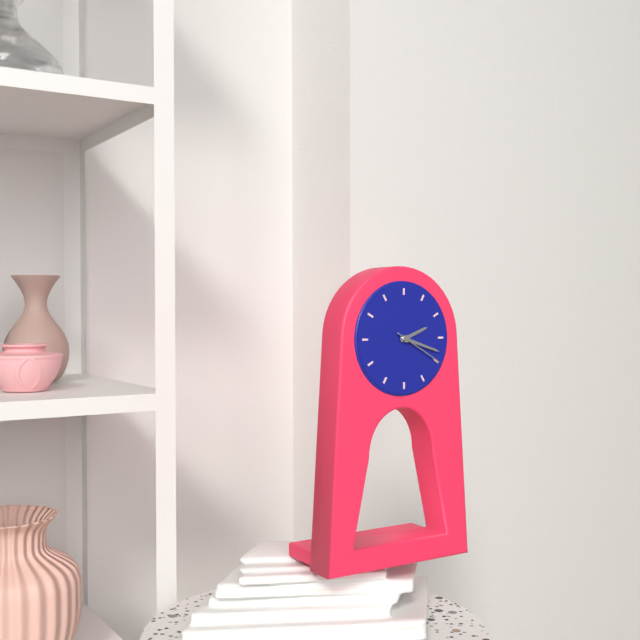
2:18:20
